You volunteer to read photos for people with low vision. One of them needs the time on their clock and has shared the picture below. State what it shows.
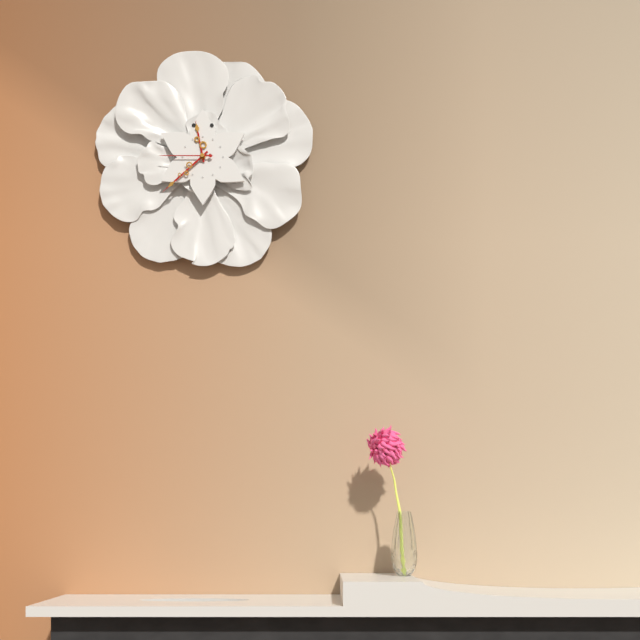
11:38:45
